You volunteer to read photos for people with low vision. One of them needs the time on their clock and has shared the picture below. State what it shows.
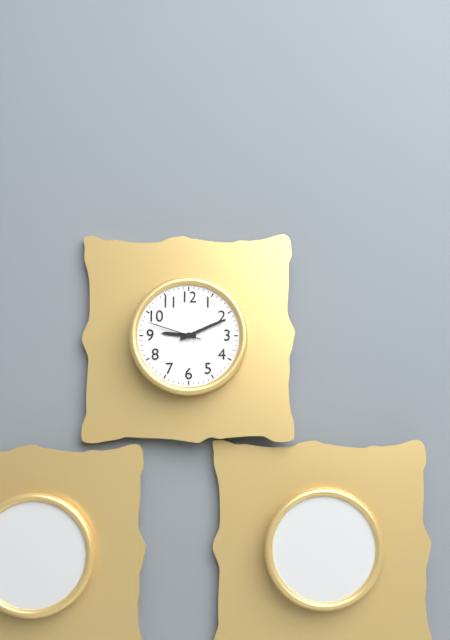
9:11:48
